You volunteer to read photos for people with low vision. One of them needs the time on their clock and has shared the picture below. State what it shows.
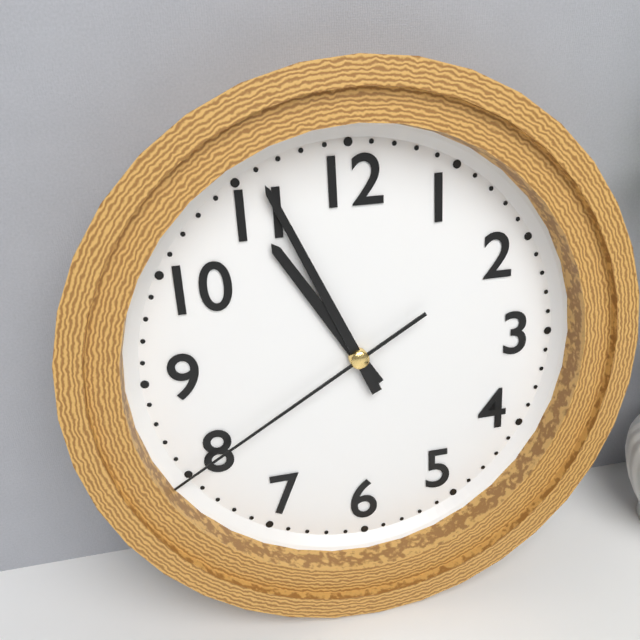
10:56:40
